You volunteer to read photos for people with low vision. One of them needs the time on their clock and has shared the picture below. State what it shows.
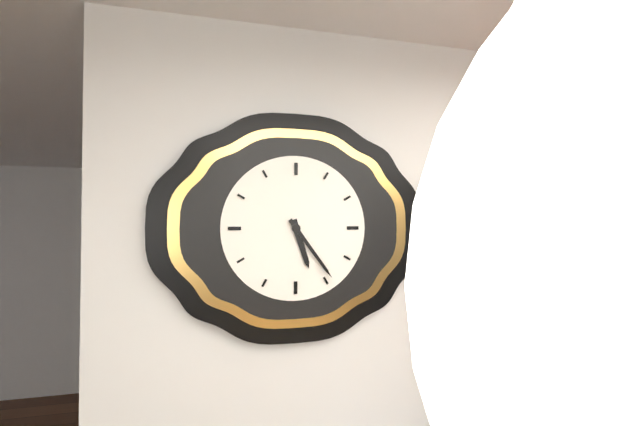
5:24
